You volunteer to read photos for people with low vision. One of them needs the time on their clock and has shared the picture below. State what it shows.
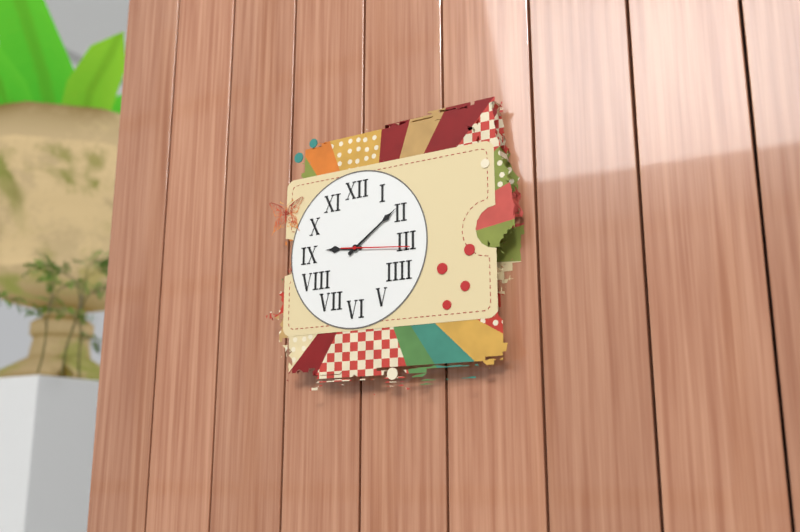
9:09:16
